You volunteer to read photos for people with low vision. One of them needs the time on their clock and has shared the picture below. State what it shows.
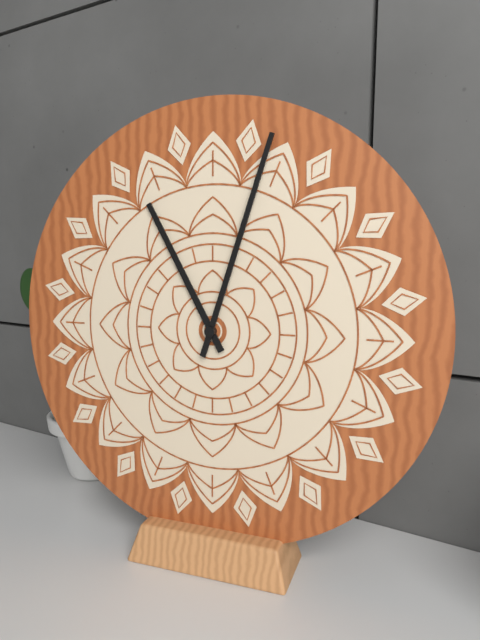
11:03
